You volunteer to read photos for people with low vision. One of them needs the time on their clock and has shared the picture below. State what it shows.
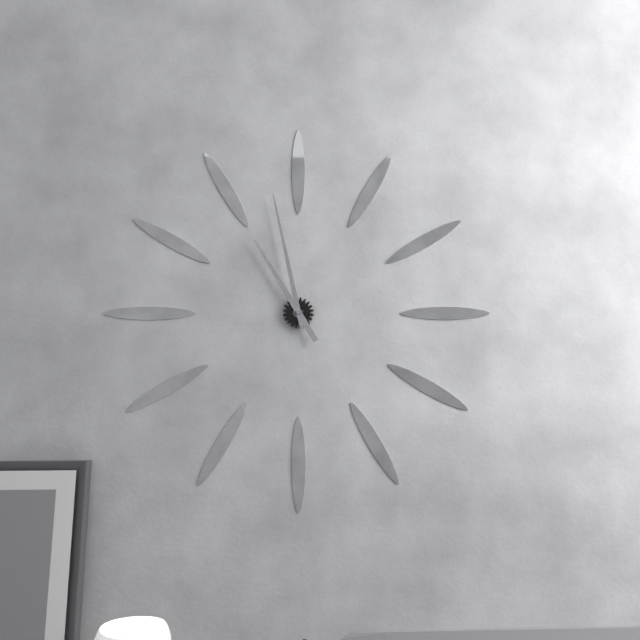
10:58
